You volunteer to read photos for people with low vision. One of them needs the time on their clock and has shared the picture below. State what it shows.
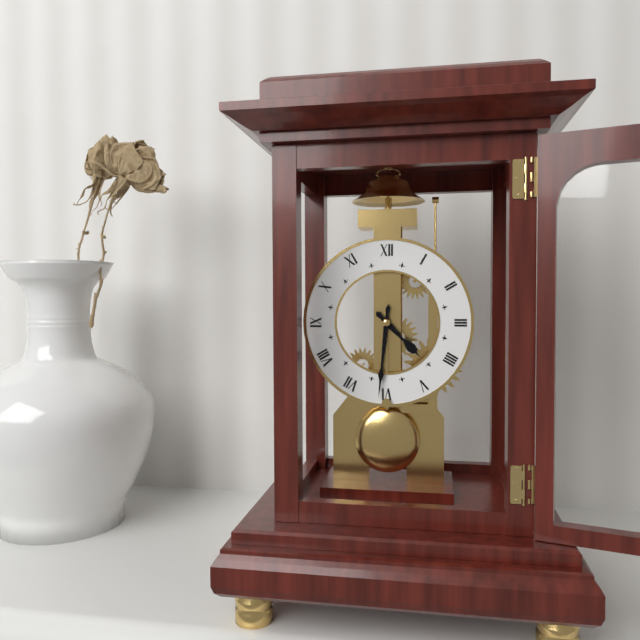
4:31
